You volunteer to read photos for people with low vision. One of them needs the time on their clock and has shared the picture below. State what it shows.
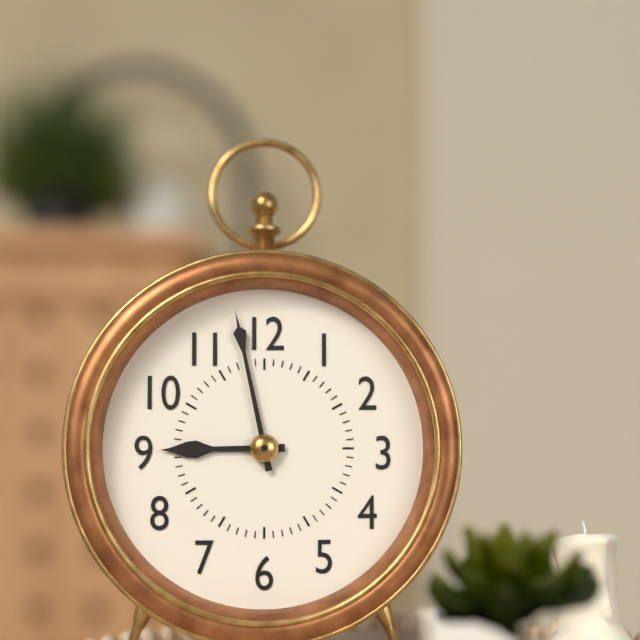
8:58
